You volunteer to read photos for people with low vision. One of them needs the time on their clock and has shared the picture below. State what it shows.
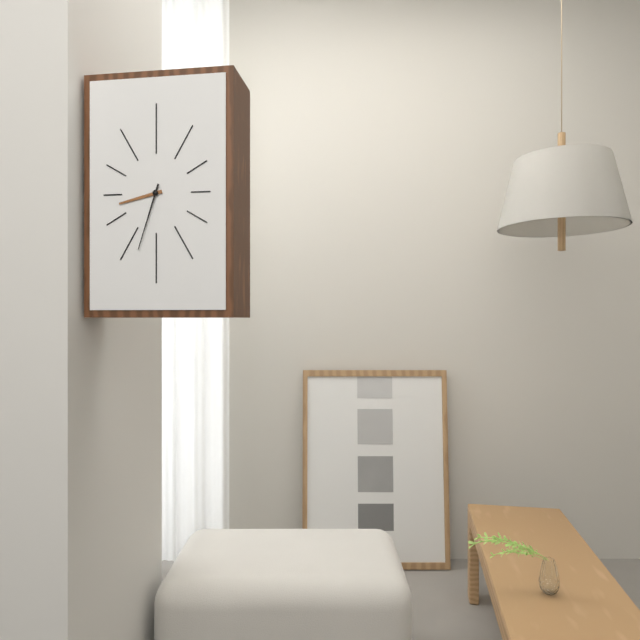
8:33
